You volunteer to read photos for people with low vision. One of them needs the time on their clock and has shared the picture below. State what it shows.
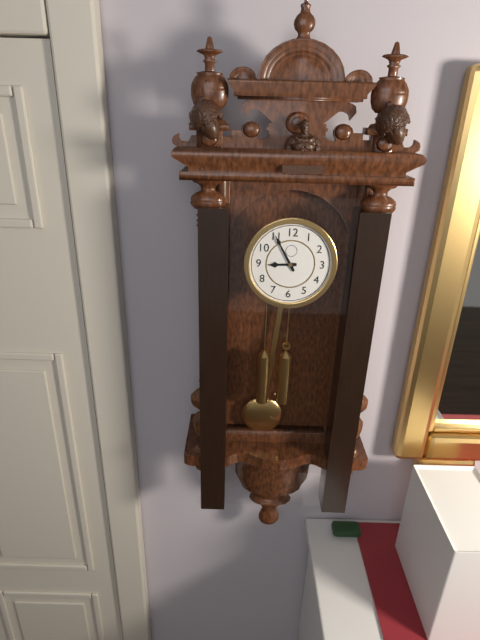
8:55
